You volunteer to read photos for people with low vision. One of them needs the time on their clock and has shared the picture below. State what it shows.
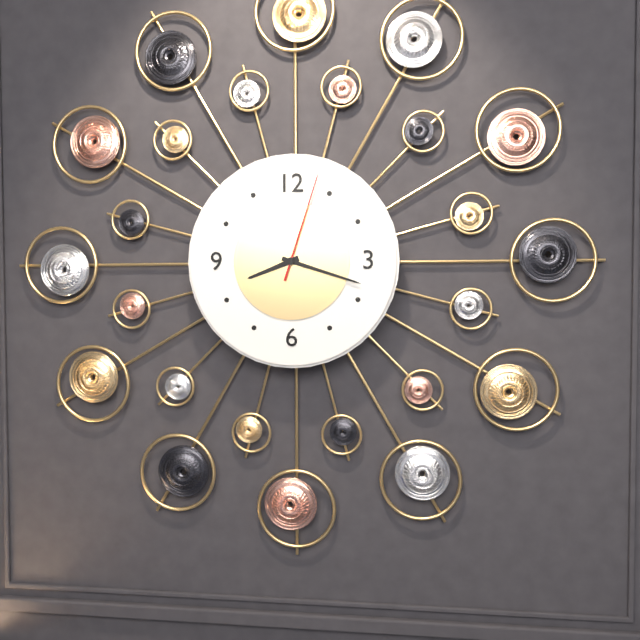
8:18:03
